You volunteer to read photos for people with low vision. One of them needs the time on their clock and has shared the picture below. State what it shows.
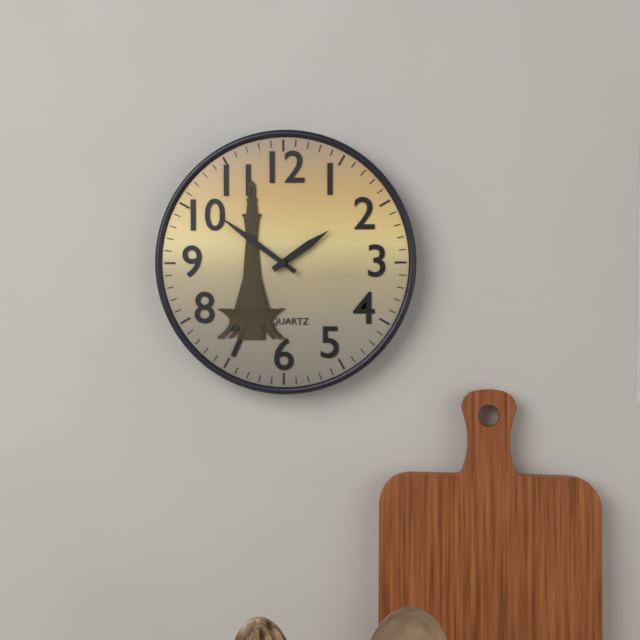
1:51
